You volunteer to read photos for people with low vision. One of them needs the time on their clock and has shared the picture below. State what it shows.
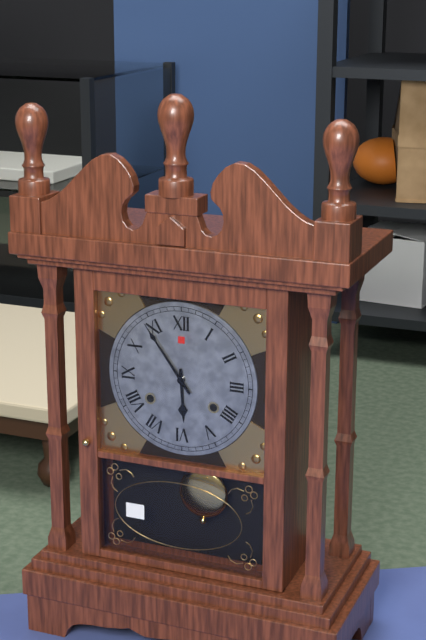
5:54
